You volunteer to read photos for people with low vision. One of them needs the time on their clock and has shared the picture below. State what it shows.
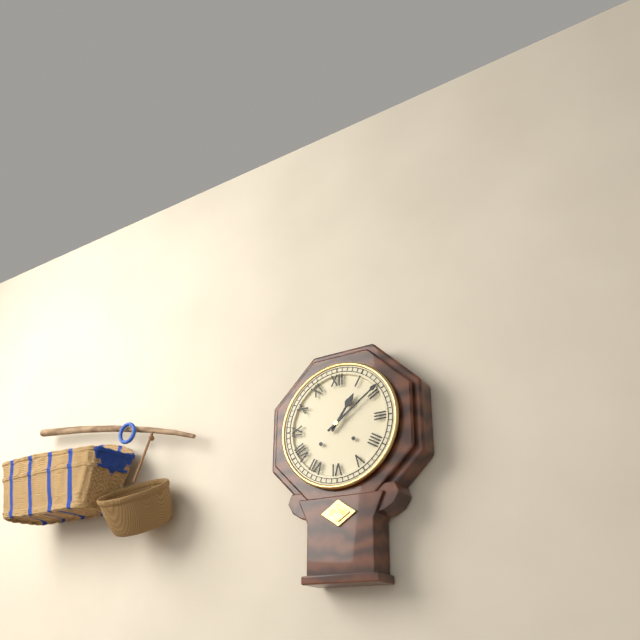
1:09
